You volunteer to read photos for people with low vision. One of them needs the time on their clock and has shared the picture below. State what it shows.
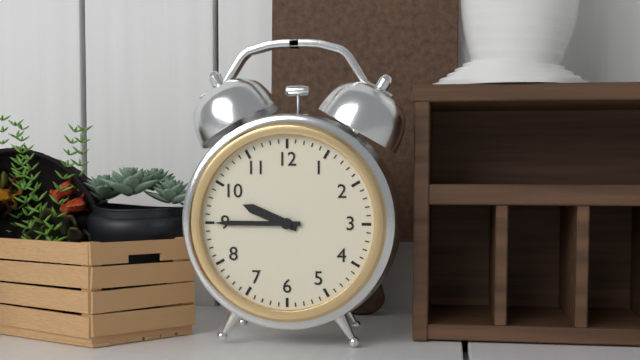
9:45
